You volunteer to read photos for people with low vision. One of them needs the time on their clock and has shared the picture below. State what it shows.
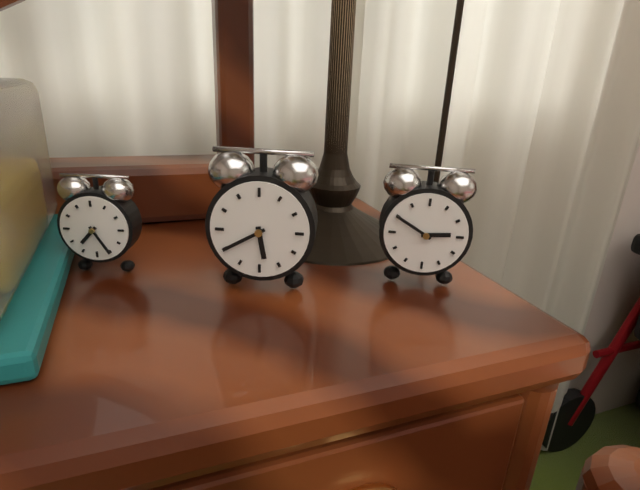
5:40
